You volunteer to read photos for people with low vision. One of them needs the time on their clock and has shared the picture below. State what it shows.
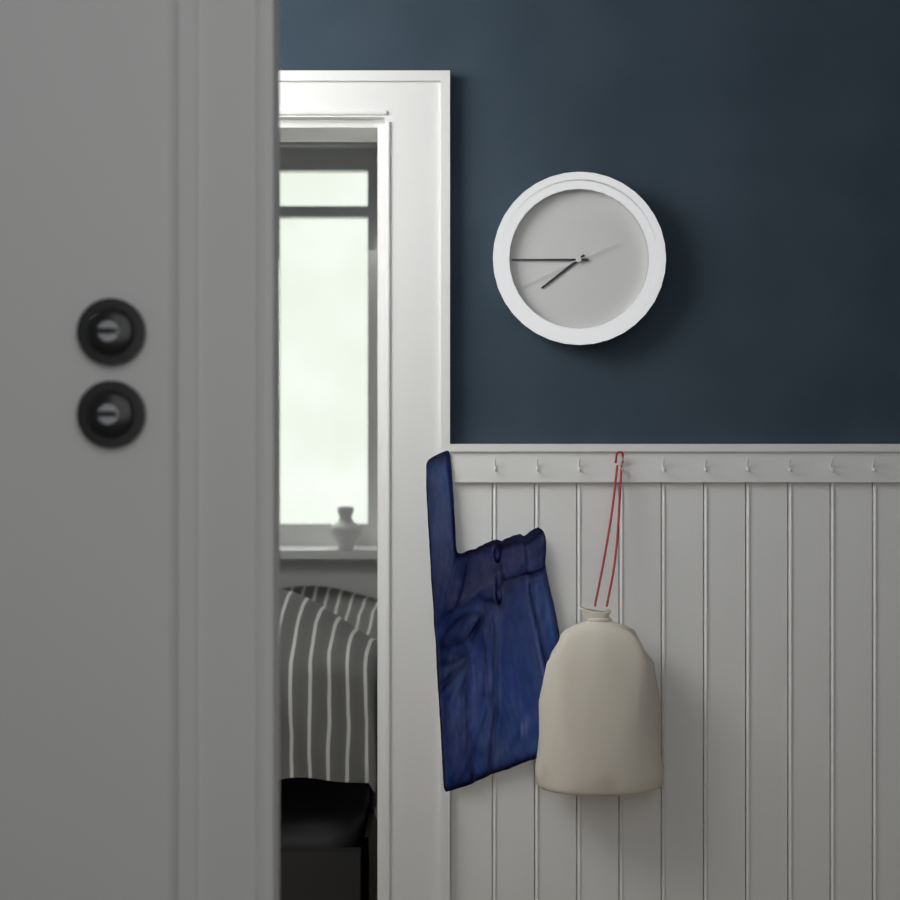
7:45:41
